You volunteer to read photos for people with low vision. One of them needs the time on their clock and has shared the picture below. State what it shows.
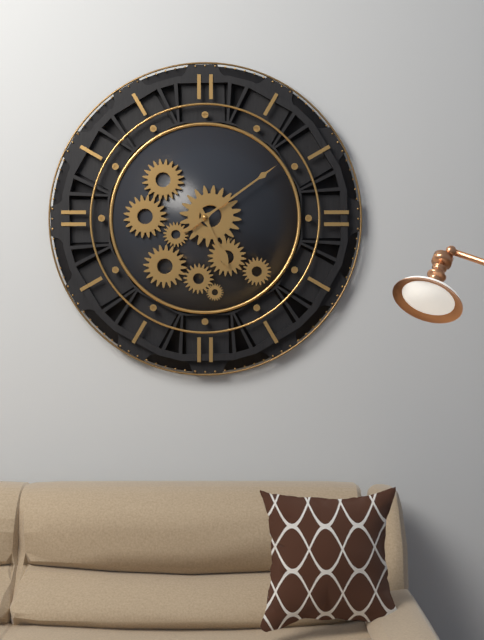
5:09
